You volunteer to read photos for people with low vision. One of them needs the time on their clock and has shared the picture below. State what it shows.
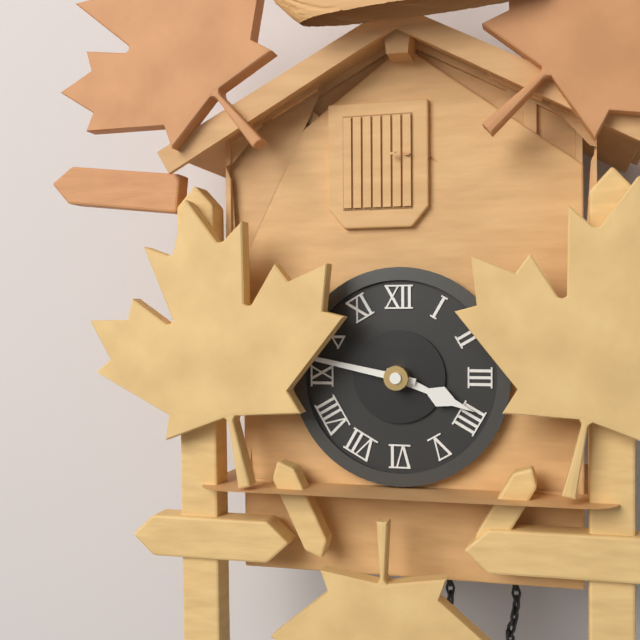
3:47
